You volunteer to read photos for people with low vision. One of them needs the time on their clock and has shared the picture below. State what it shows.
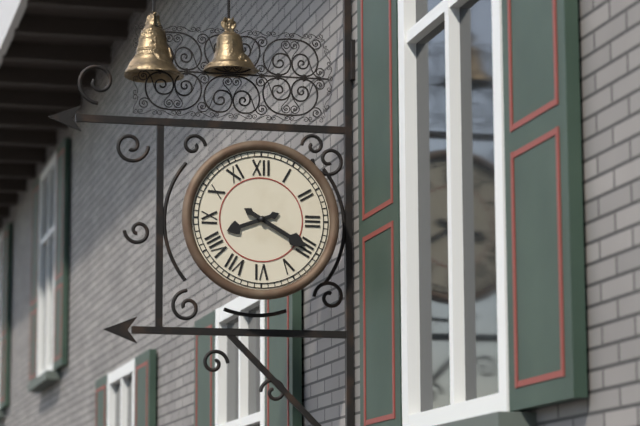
8:20
